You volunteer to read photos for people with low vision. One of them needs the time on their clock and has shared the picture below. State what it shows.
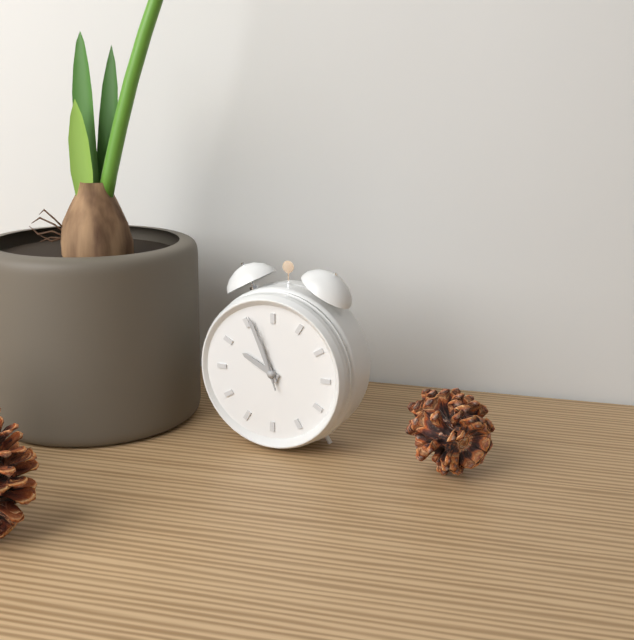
9:56:57
